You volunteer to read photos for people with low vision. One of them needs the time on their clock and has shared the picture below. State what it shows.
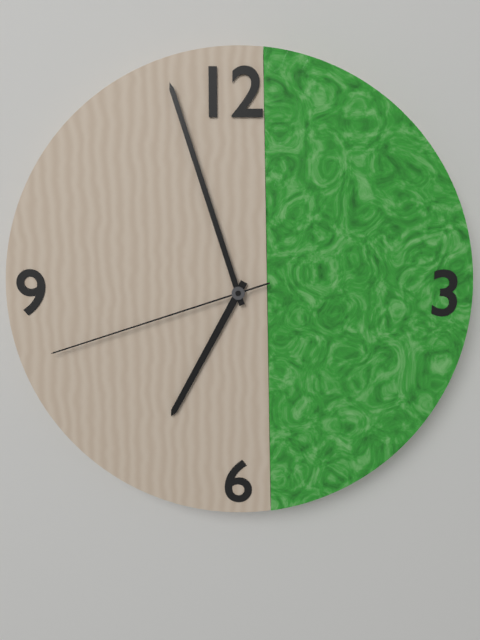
6:57:42
